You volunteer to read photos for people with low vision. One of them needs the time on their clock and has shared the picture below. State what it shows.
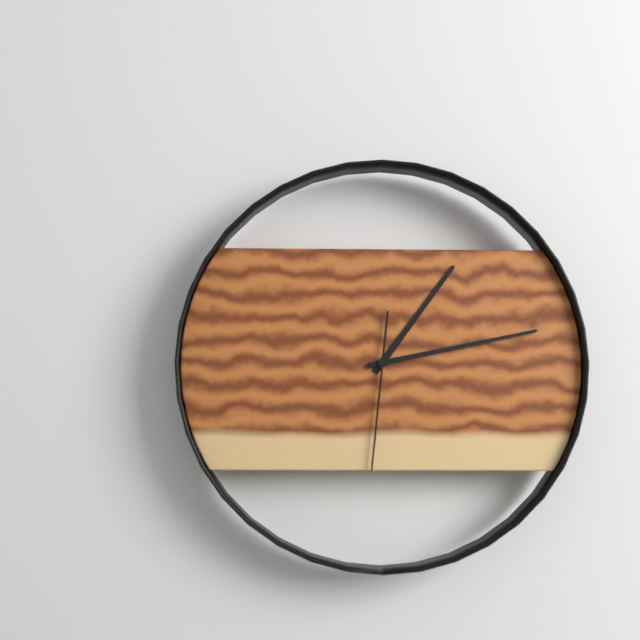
1:13:31
